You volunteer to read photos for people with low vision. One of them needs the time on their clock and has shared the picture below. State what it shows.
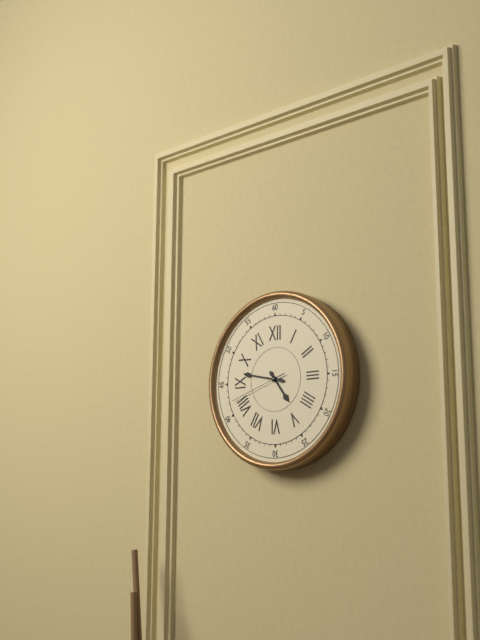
4:47:42
